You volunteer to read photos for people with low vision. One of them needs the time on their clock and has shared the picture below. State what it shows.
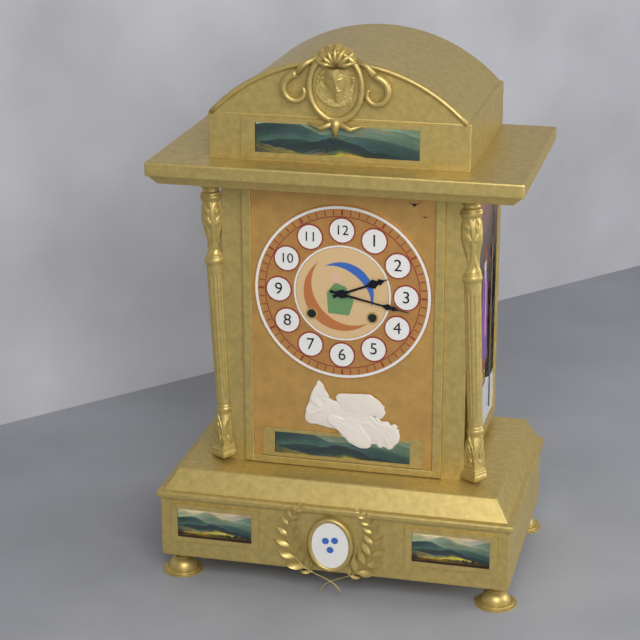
2:17
